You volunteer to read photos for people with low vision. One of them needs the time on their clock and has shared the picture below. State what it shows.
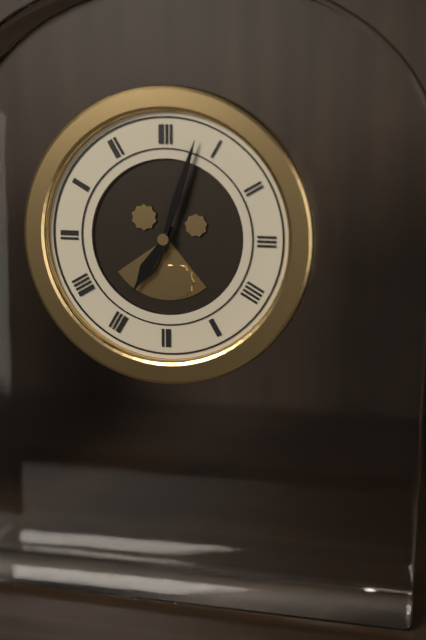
7:03
